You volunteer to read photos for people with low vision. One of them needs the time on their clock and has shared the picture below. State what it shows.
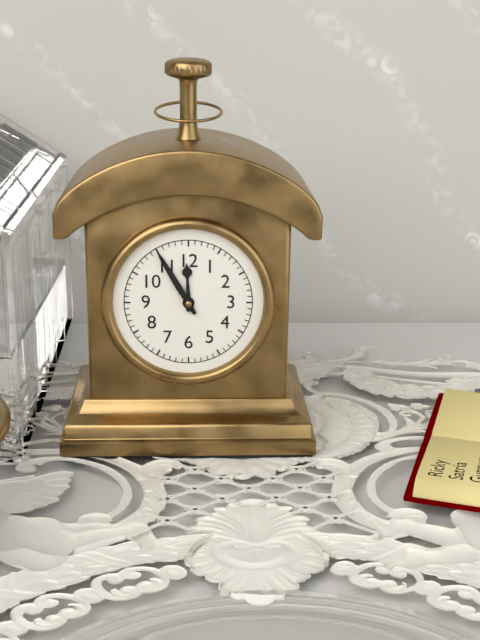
11:55
